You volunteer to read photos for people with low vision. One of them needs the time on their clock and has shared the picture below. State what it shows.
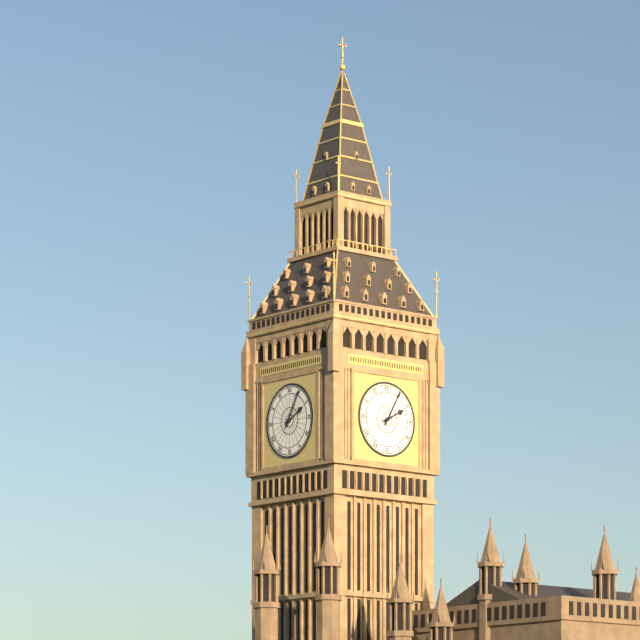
2:05
